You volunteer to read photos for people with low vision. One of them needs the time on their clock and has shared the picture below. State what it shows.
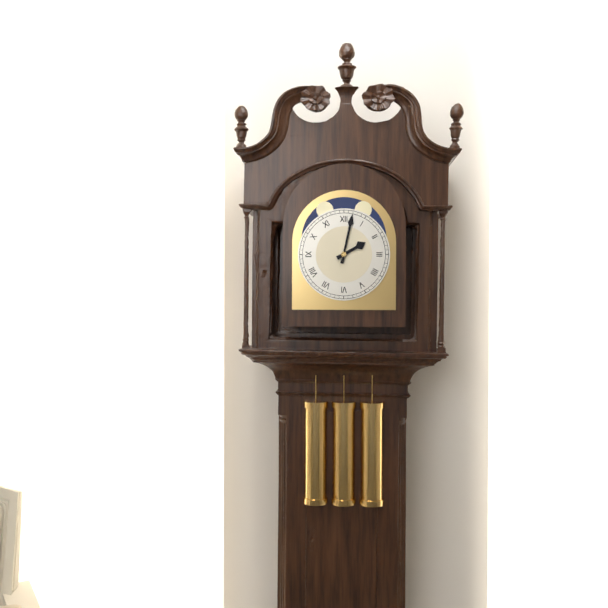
2:02
